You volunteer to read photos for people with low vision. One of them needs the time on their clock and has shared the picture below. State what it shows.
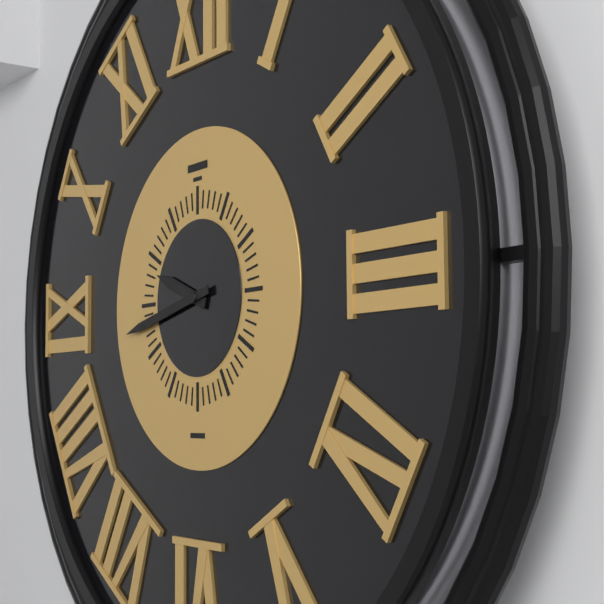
9:43
